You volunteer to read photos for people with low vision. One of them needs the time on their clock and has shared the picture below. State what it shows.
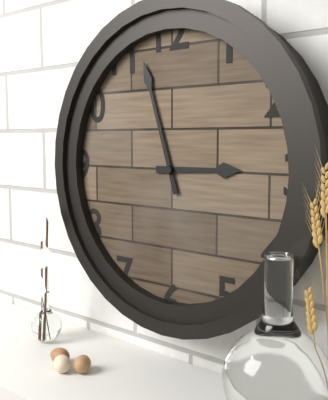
2:57
